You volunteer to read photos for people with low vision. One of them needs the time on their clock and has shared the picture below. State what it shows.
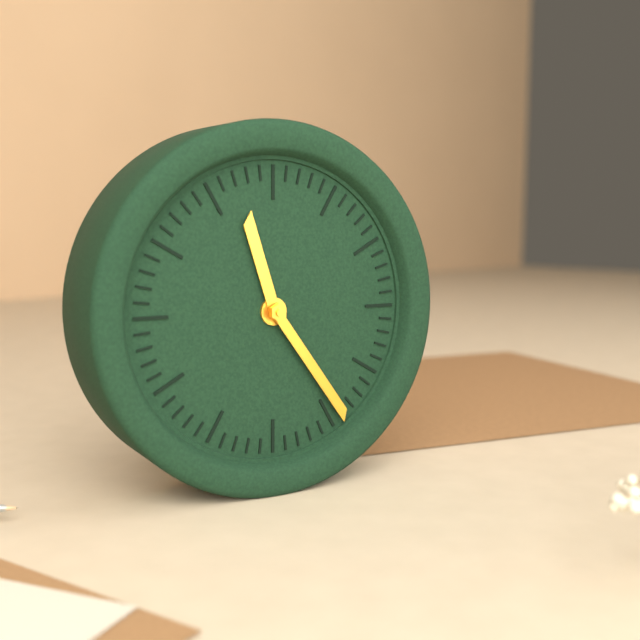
11:24
